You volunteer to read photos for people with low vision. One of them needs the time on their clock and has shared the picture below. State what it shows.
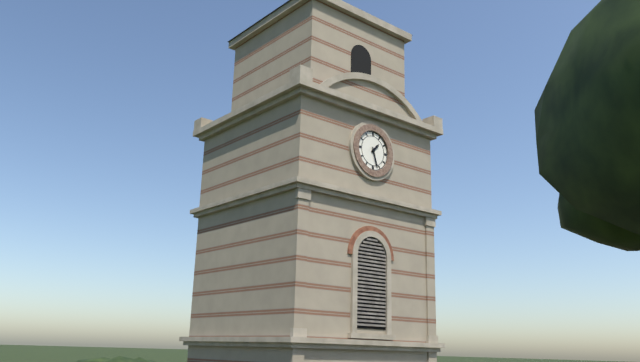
1:27
